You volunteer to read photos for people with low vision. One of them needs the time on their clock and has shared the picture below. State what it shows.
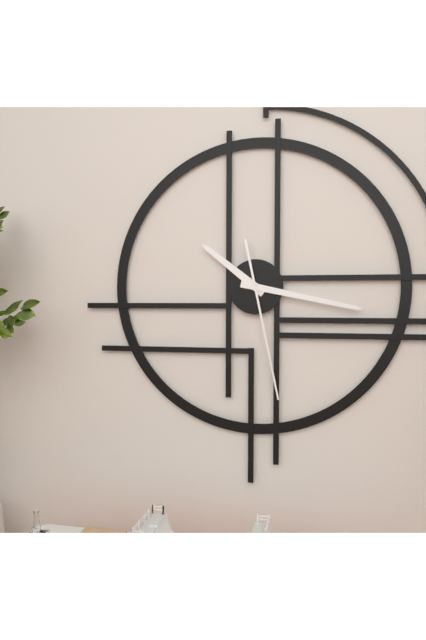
10:17:28
